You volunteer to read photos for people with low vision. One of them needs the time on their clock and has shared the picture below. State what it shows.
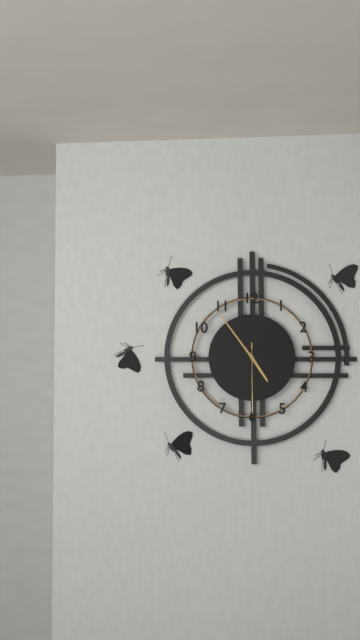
4:54:30
